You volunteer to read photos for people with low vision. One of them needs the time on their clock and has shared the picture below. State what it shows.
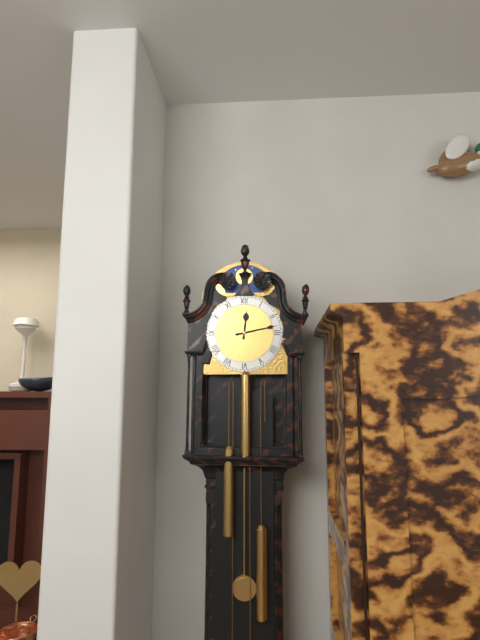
12:13
